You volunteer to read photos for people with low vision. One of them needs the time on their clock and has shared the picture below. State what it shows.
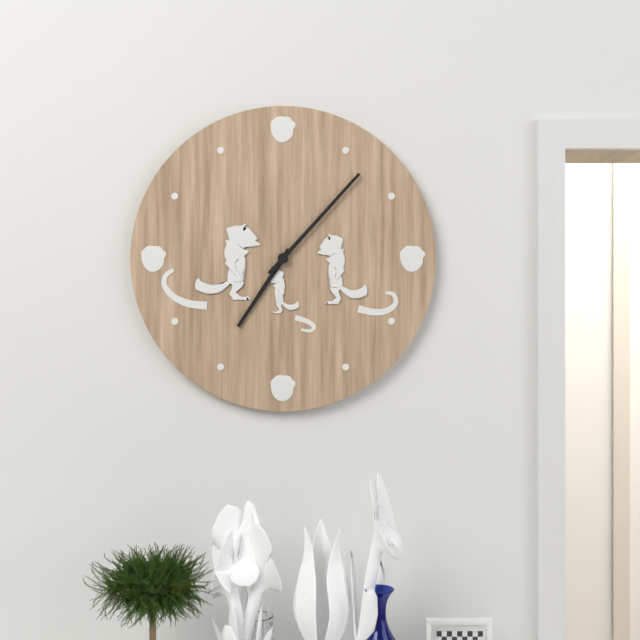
7:07
